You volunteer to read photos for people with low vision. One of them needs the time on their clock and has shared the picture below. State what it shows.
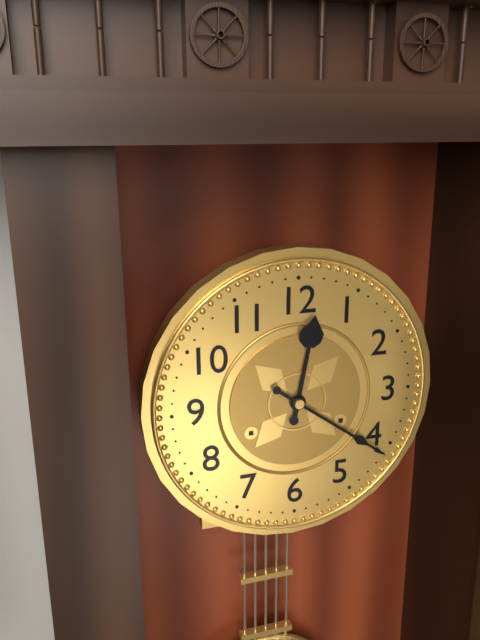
12:21
